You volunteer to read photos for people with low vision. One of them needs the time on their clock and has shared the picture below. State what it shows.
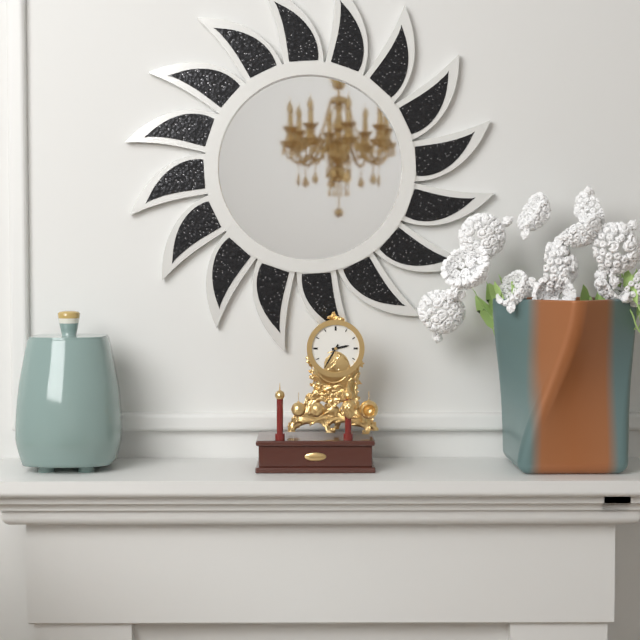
2:35
